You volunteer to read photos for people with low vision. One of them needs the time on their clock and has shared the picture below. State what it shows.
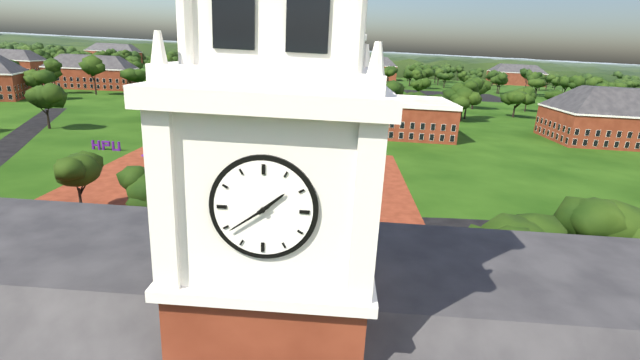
1:39
